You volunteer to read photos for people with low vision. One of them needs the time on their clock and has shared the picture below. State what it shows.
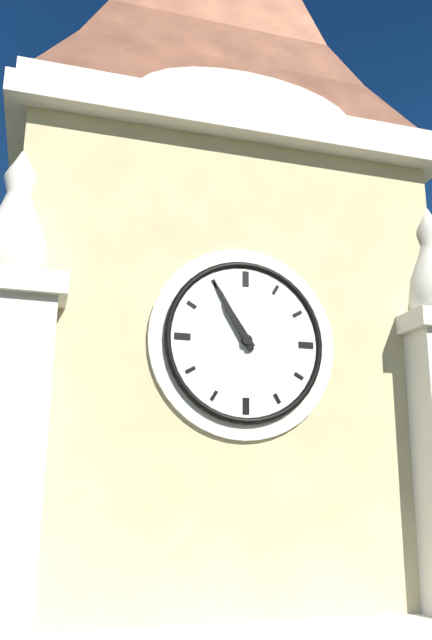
10:55
